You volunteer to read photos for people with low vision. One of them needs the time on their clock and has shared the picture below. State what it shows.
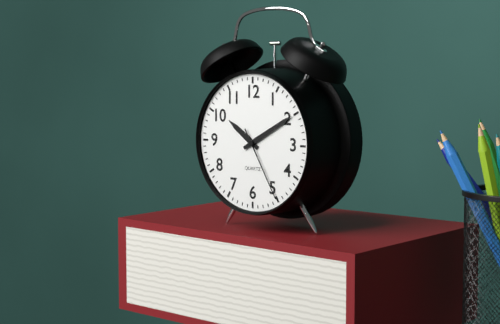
10:10:25
